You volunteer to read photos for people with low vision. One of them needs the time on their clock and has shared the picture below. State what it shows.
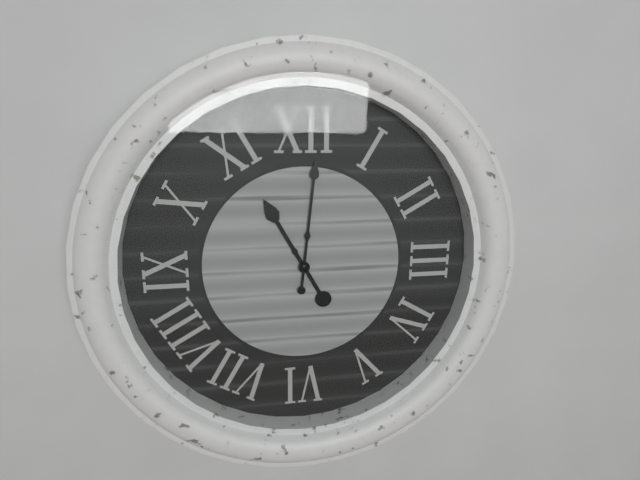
11:01
